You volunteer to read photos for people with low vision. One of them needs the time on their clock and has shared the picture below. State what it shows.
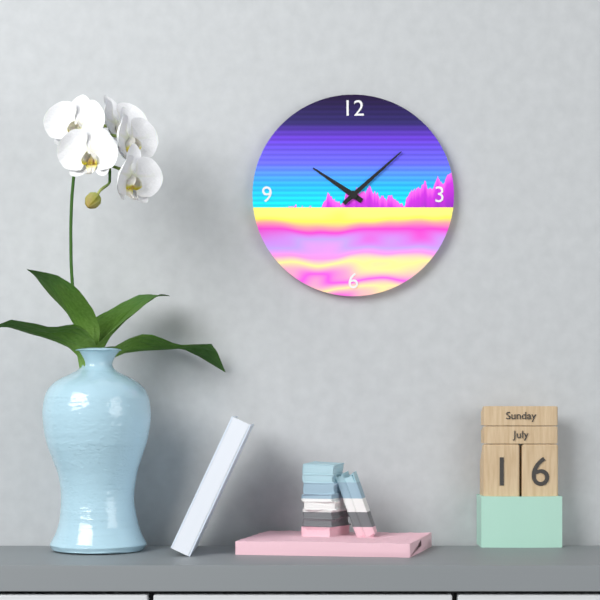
10:08
